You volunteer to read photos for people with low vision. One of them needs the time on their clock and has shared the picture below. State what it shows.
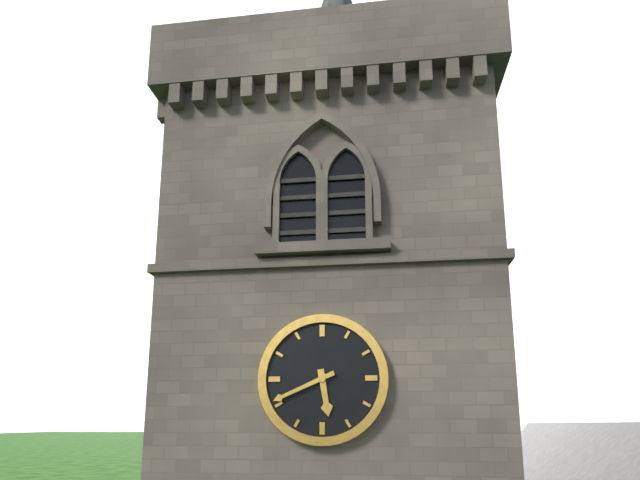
5:41
